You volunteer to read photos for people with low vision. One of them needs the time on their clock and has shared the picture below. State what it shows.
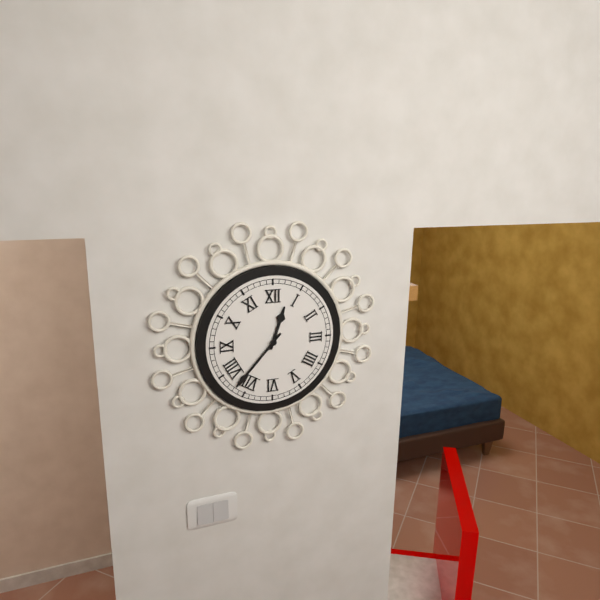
12:37
